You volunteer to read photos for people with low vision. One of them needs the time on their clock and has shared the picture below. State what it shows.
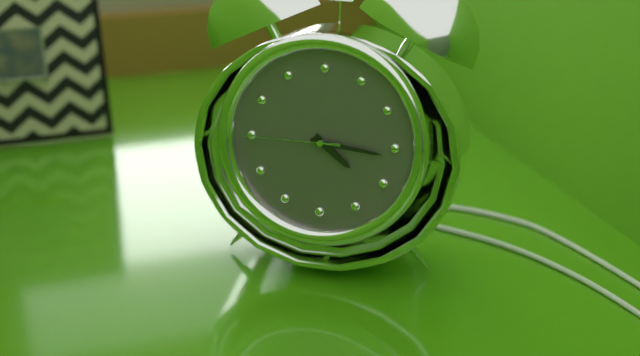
4:16:45
